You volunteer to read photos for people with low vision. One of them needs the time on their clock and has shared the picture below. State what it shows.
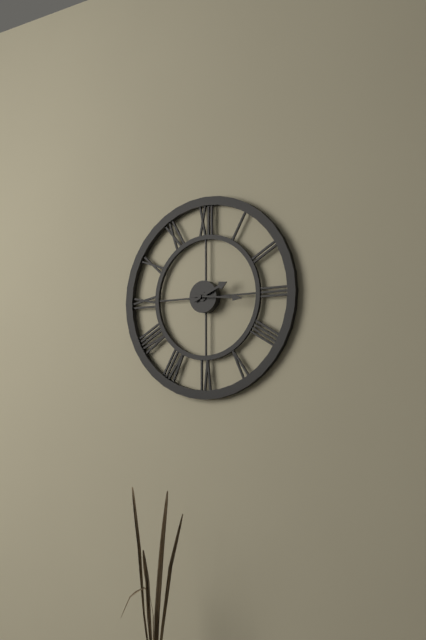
2:16
